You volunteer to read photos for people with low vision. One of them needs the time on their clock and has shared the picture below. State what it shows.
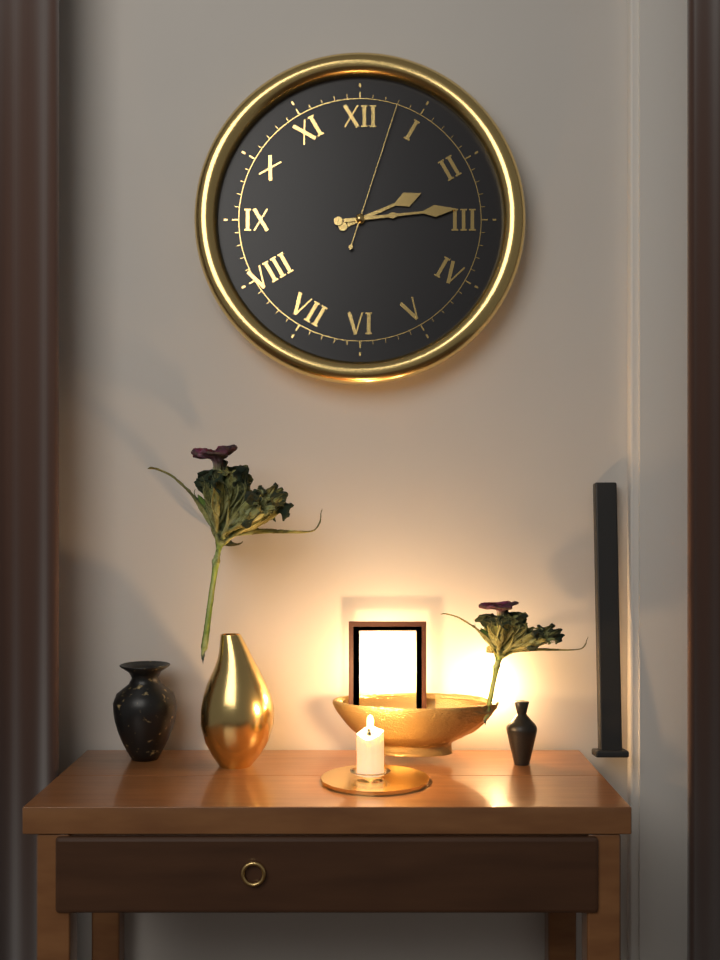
2:14:03
